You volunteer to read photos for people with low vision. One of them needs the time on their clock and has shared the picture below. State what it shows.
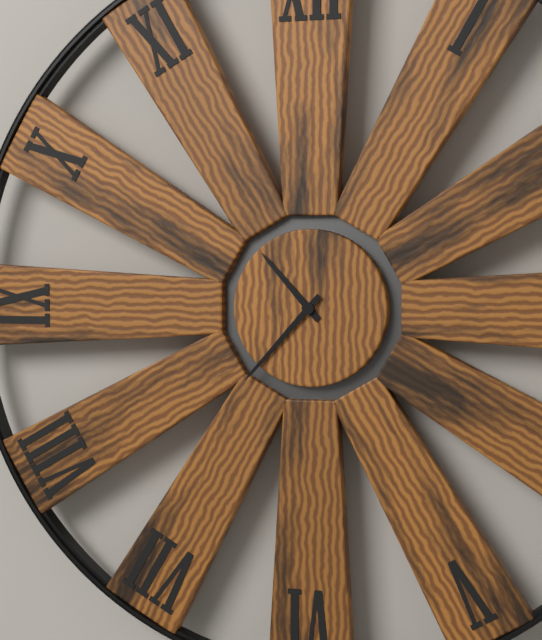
10:37
